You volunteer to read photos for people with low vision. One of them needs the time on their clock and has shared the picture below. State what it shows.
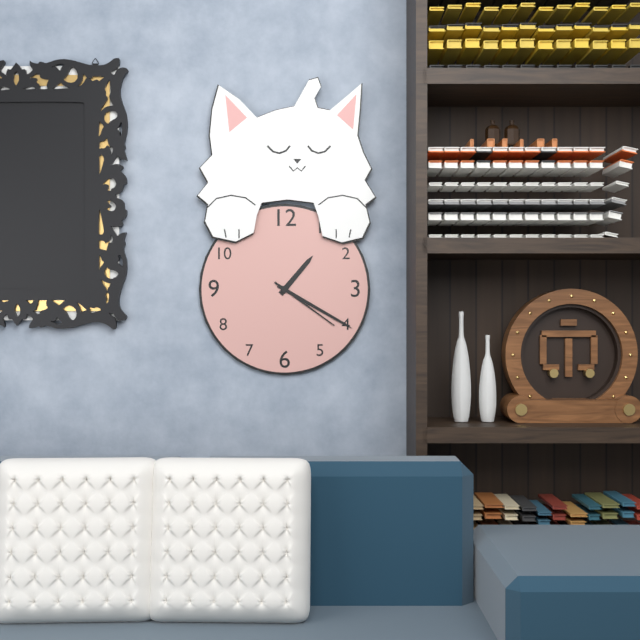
1:20:21
